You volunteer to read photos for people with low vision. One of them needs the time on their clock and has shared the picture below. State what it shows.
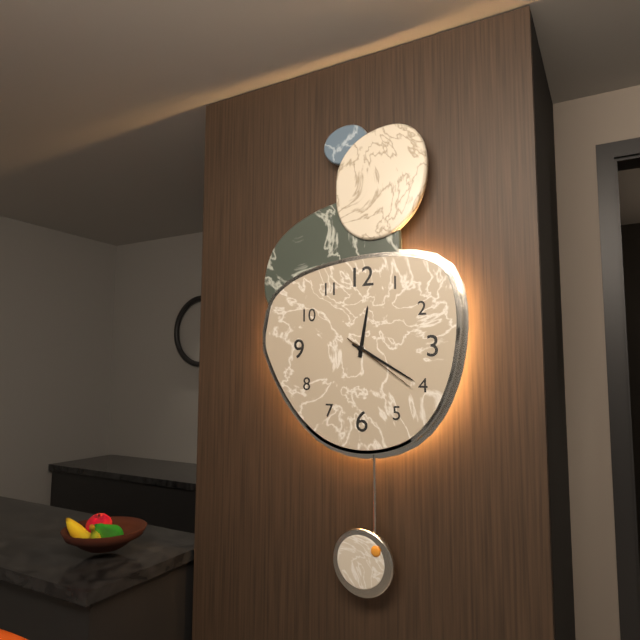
12:20:21
